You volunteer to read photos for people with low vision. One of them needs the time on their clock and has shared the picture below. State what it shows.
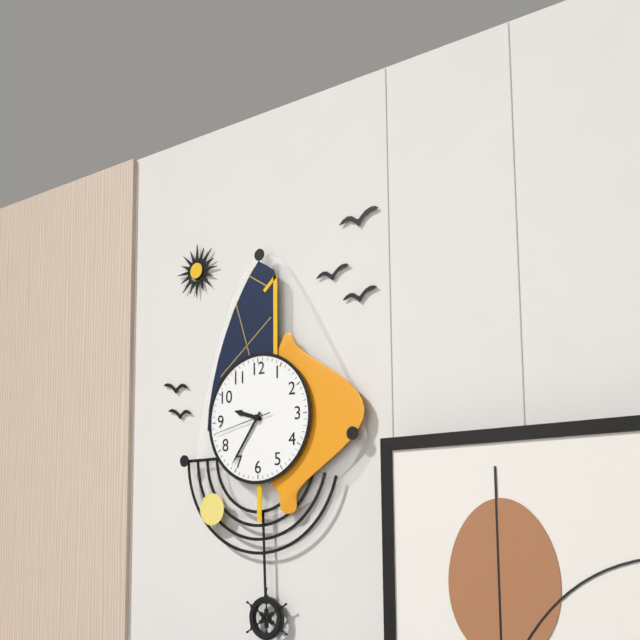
9:36:43
